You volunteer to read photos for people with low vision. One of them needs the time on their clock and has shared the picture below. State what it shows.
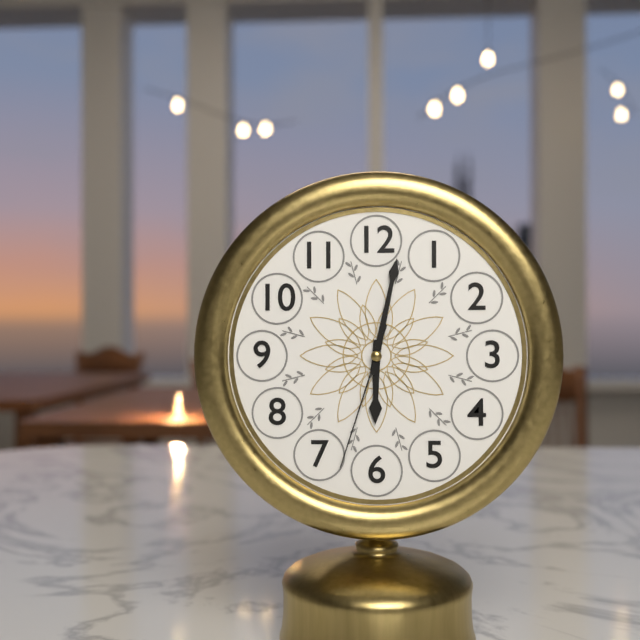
6:02:33
